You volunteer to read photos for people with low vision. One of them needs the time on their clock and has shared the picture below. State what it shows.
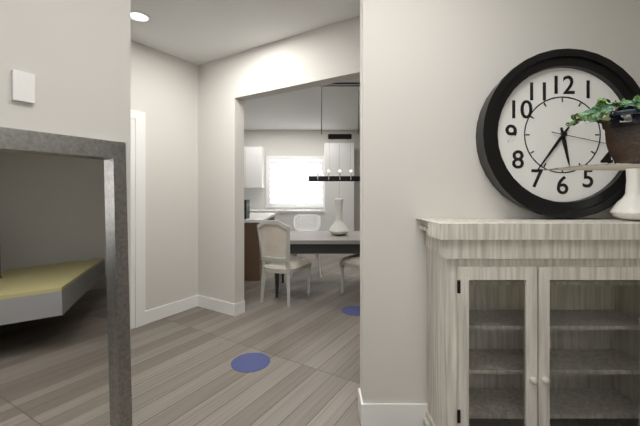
5:36:17
